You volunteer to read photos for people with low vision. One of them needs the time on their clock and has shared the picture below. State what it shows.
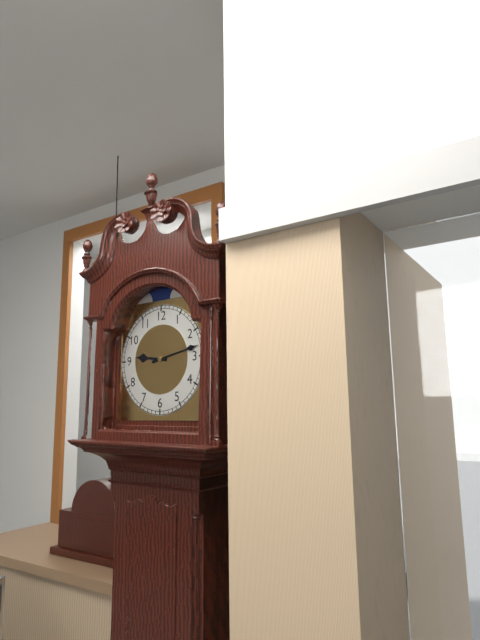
9:13
